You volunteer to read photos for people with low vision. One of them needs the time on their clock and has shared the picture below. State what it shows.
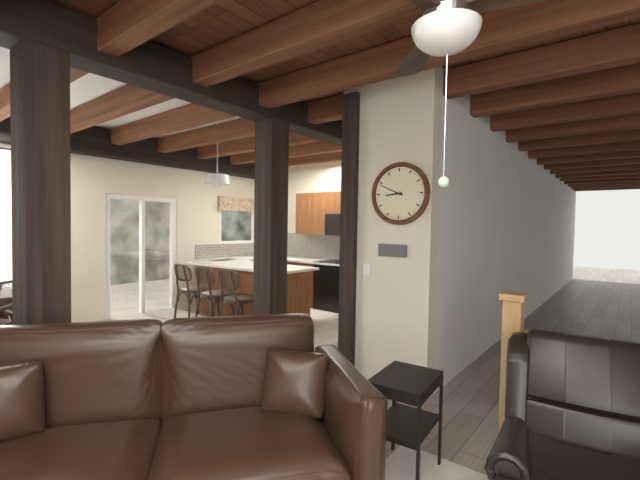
8:49
